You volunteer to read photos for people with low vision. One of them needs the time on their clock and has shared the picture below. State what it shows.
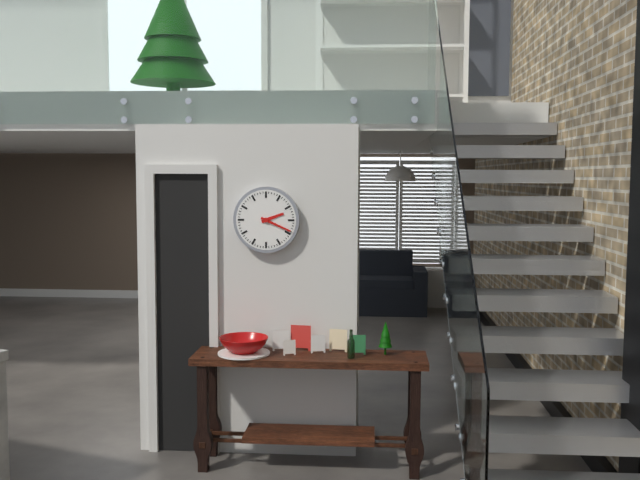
2:19
